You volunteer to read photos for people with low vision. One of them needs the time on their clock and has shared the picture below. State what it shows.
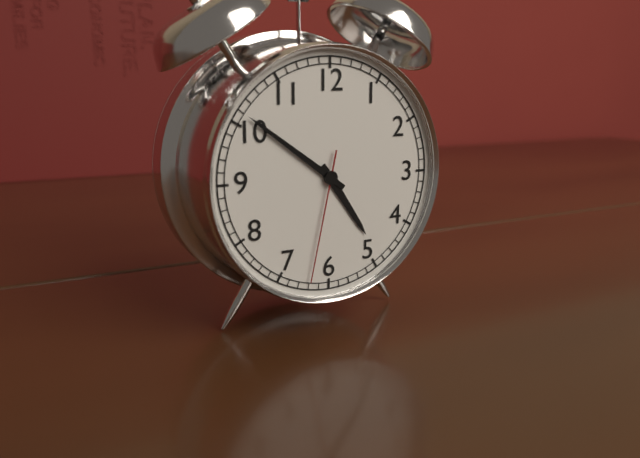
4:51:32
